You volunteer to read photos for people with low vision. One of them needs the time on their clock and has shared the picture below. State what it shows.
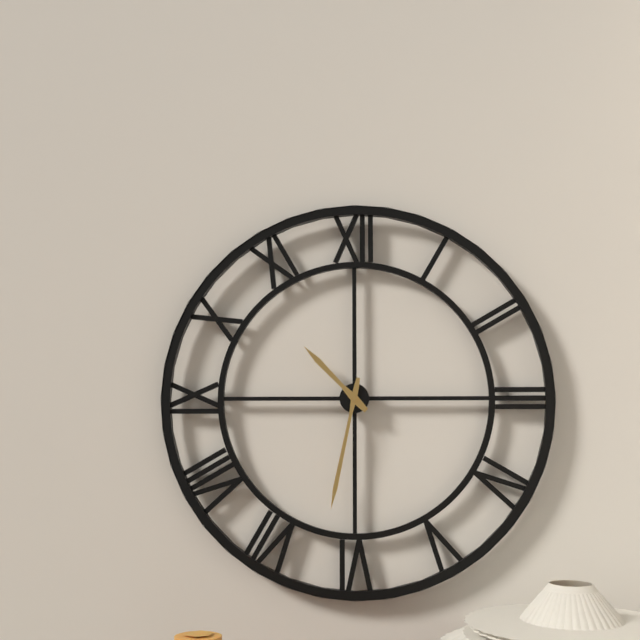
10:32
